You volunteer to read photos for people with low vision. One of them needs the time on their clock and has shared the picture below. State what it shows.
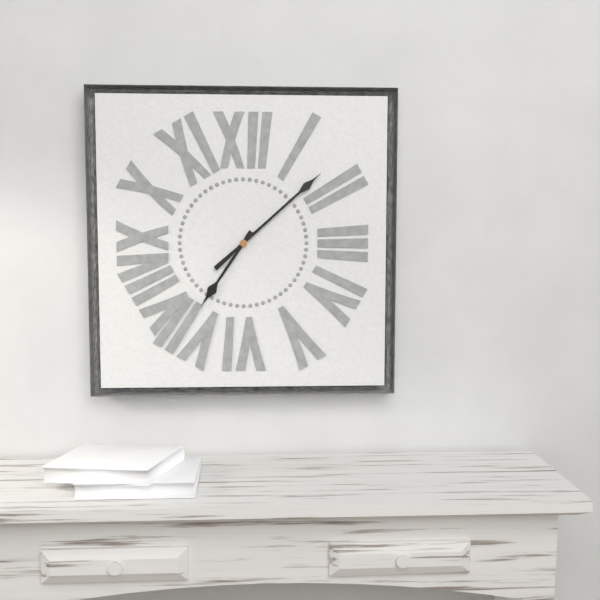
7:08
